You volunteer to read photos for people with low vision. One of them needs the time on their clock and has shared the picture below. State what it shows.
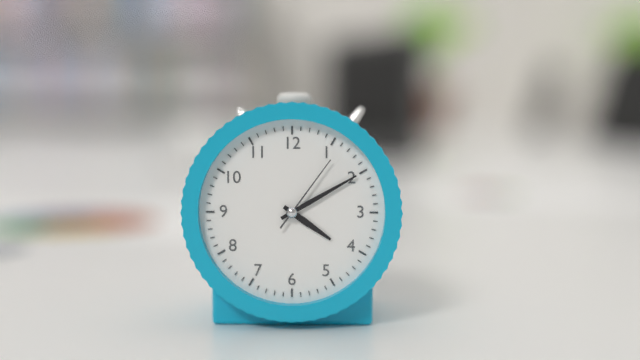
4:10:06
